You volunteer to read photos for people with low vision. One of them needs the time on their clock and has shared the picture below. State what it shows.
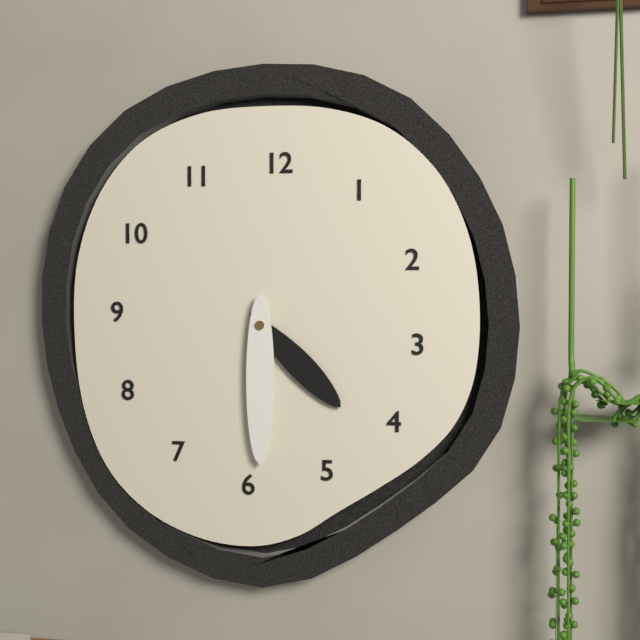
4:30
